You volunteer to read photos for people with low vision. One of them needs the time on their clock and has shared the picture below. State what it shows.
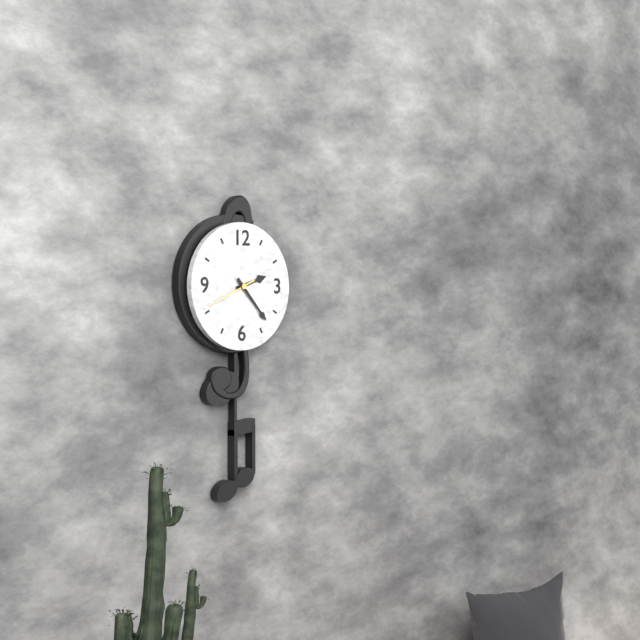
2:23:41
